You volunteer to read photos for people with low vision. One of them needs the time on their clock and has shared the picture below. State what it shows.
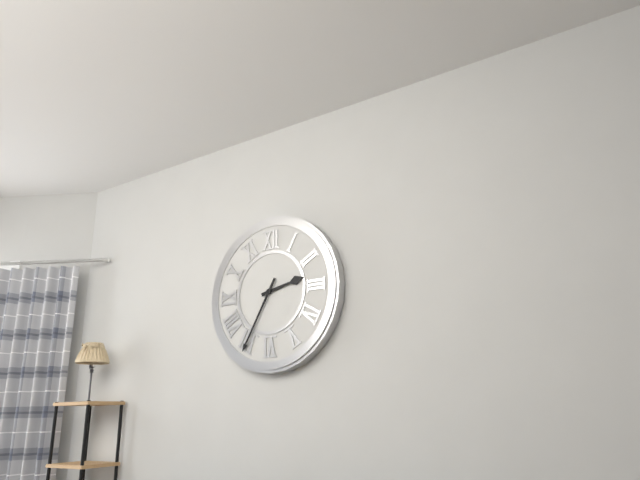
2:35
